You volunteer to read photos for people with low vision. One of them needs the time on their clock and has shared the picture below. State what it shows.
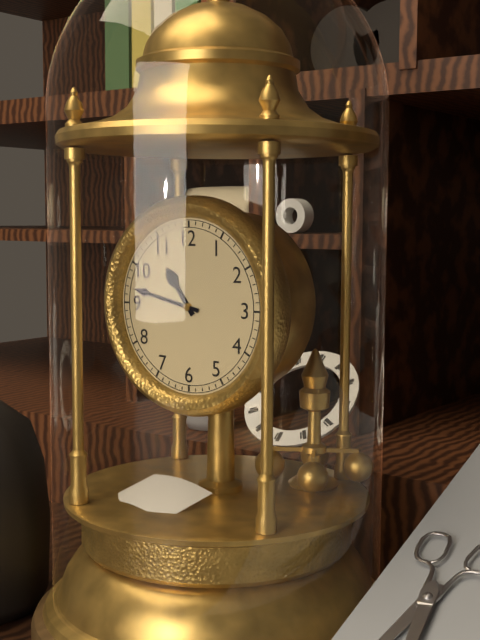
10:47
